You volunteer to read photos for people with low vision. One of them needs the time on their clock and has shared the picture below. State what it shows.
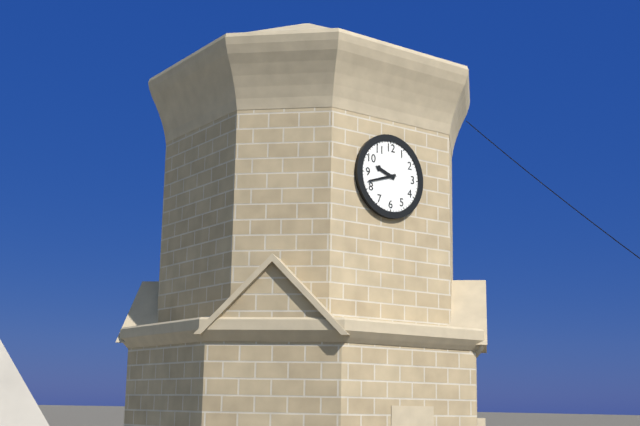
9:42
